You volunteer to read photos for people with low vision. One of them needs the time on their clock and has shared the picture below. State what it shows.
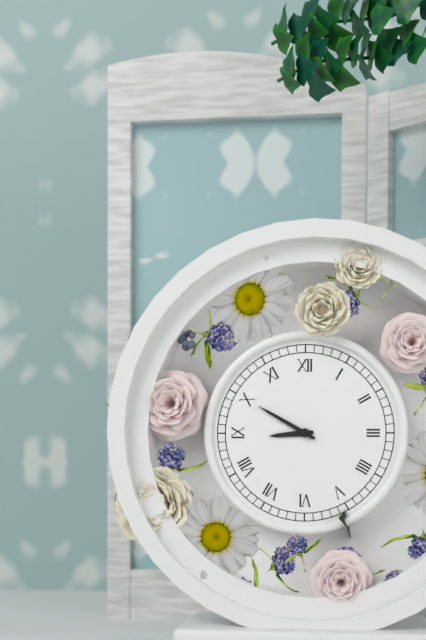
8:50
